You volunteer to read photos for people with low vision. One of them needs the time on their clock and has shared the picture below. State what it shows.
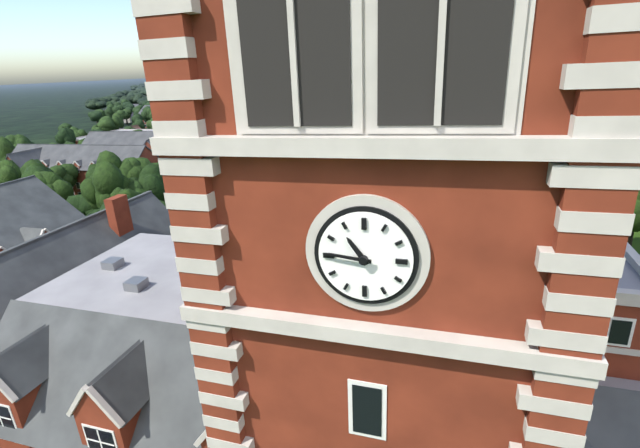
10:46
